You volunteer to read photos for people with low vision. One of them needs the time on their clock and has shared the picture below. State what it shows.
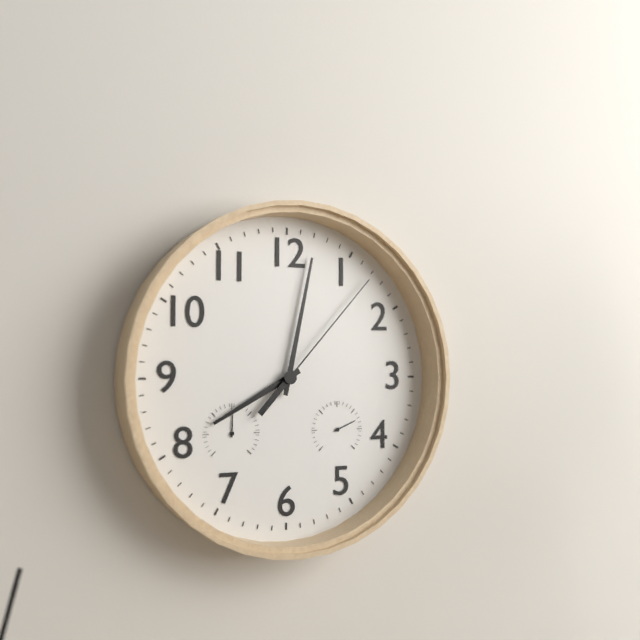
8:02:07
